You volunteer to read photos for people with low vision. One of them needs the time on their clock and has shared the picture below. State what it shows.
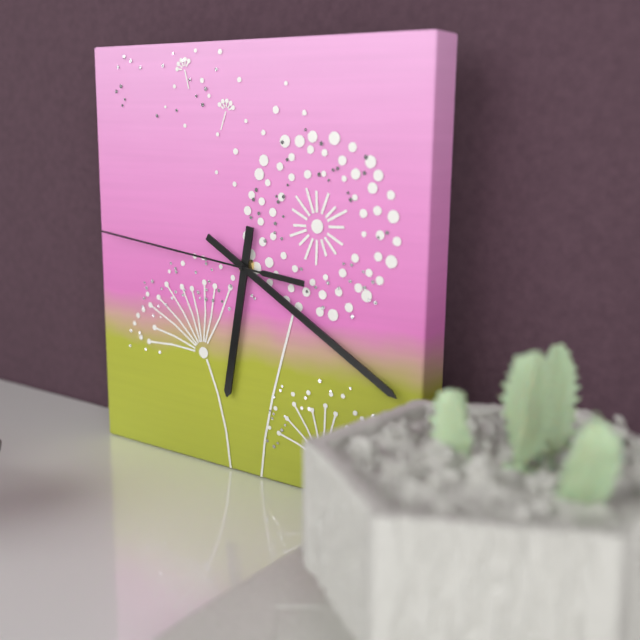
6:20:46
